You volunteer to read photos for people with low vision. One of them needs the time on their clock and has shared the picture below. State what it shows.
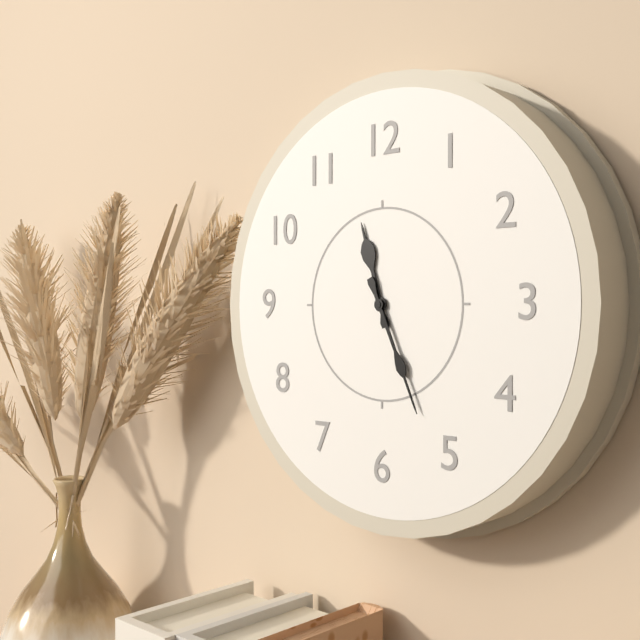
11:26
